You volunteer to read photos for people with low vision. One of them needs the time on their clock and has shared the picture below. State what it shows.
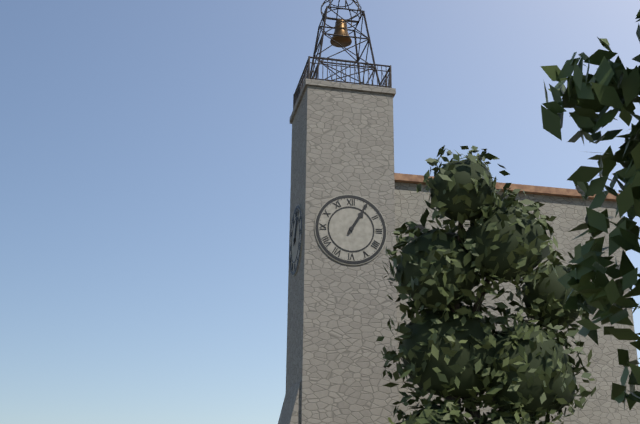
1:05
